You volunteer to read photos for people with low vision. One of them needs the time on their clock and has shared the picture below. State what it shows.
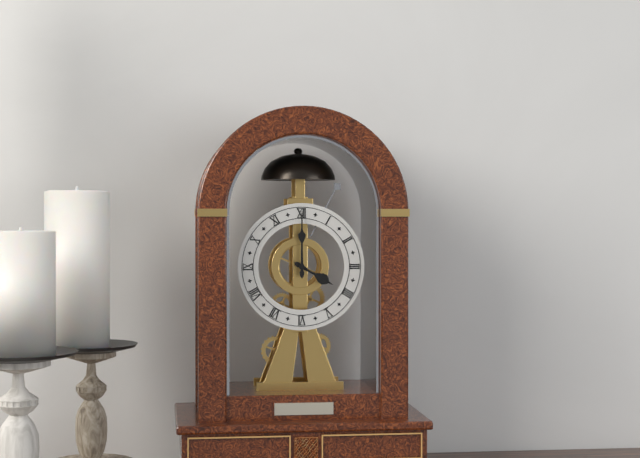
4:00
